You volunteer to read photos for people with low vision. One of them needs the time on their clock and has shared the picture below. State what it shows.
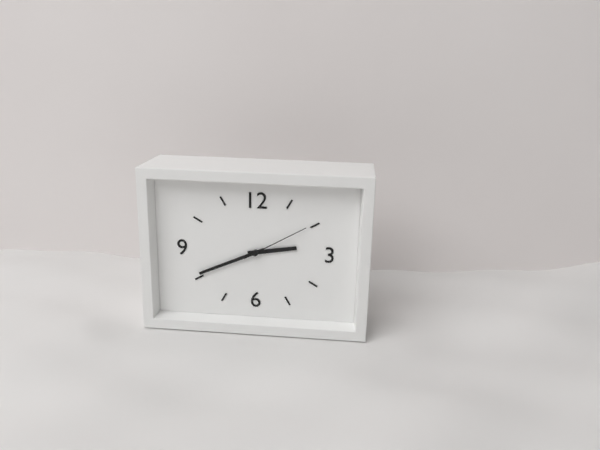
2:41:10
